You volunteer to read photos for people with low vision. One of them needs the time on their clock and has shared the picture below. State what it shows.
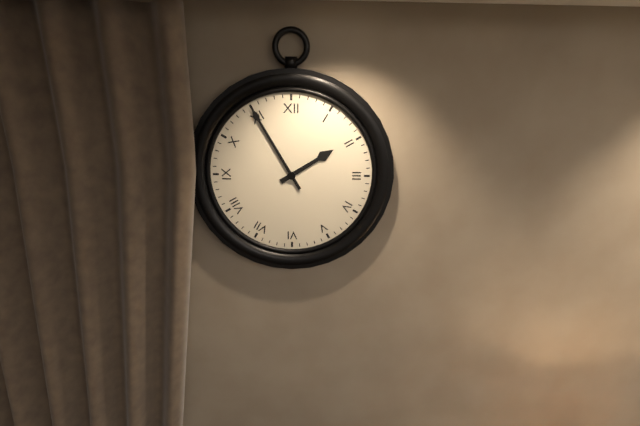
1:55
